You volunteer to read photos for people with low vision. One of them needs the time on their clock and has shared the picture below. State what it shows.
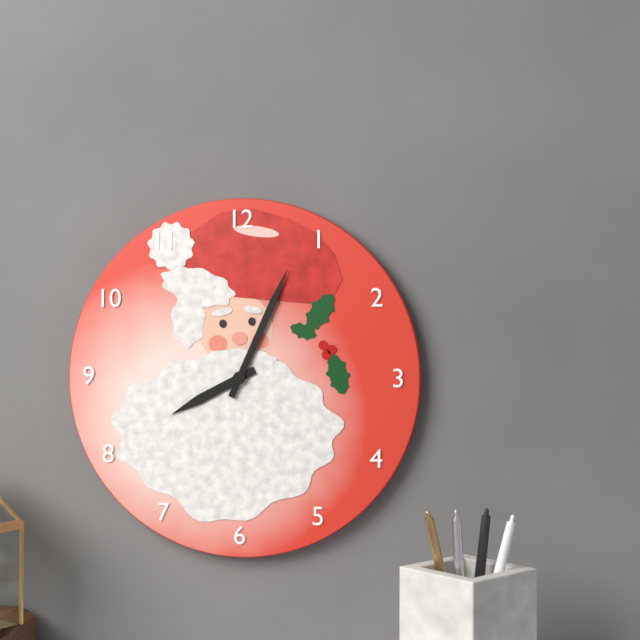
8:04
